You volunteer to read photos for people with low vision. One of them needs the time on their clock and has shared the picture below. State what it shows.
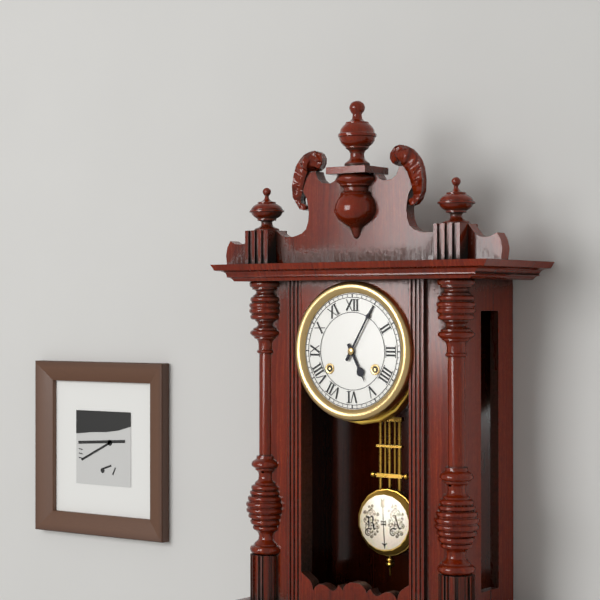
5:05
